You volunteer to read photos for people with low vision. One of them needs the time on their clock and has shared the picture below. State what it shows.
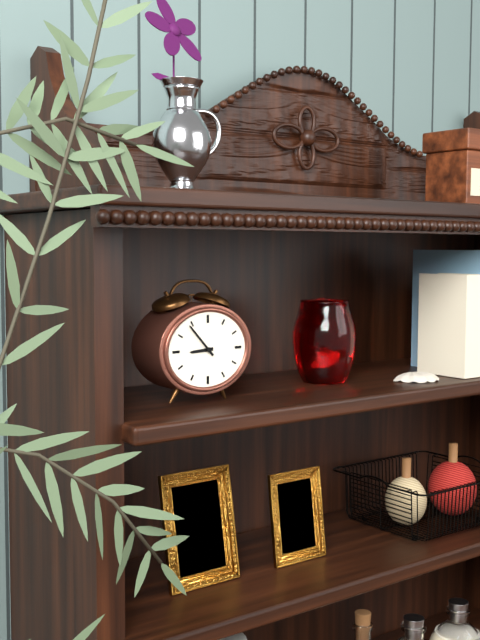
8:53
